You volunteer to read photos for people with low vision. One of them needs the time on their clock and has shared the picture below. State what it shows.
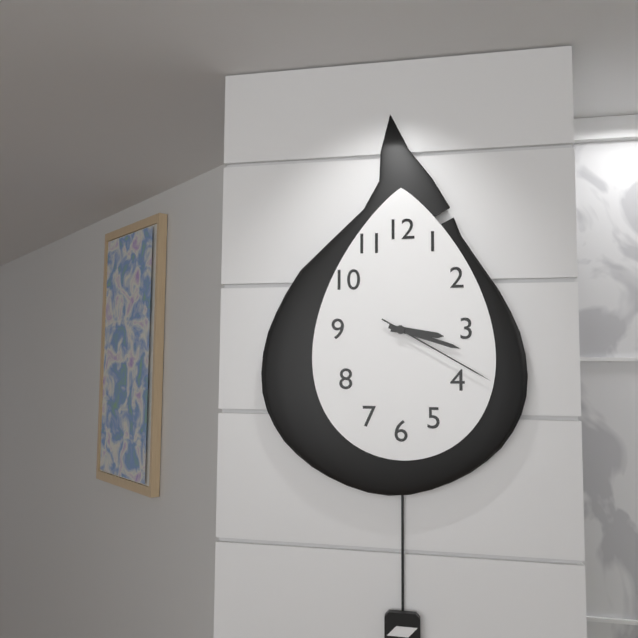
3:18:20
